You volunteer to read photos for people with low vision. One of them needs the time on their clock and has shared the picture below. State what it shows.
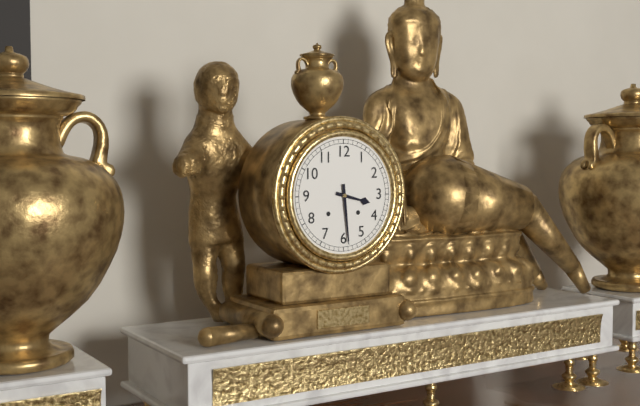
3:29
